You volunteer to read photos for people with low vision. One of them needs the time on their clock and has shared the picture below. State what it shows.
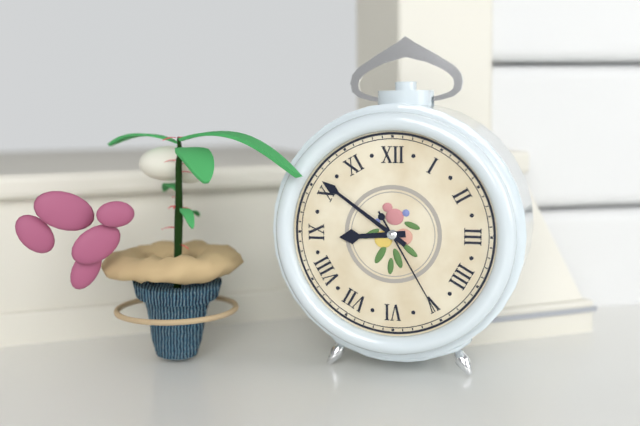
8:51:25
